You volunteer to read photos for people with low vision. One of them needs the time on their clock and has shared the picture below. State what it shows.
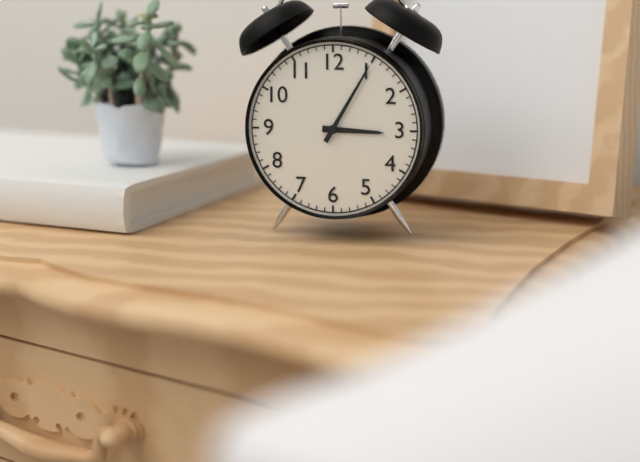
3:05
